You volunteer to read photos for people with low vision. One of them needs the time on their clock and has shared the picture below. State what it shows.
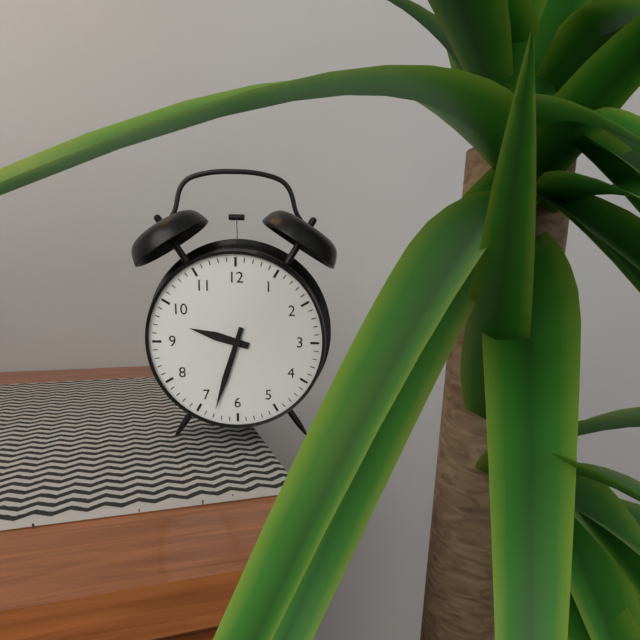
9:33
